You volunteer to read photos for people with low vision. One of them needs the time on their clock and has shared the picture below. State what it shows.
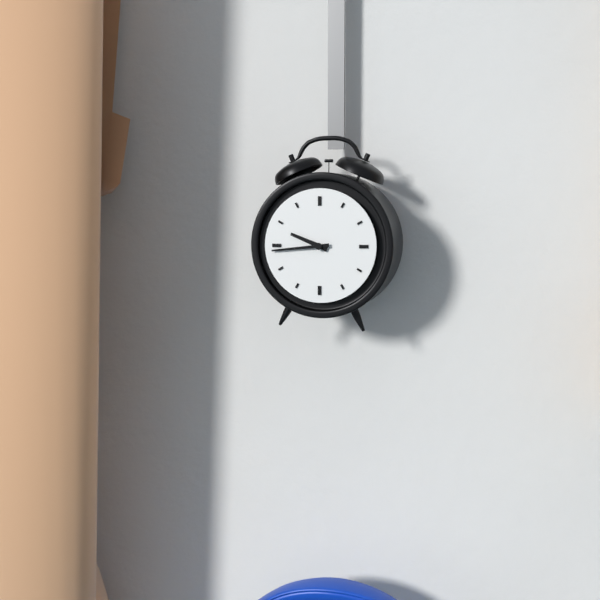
9:44
